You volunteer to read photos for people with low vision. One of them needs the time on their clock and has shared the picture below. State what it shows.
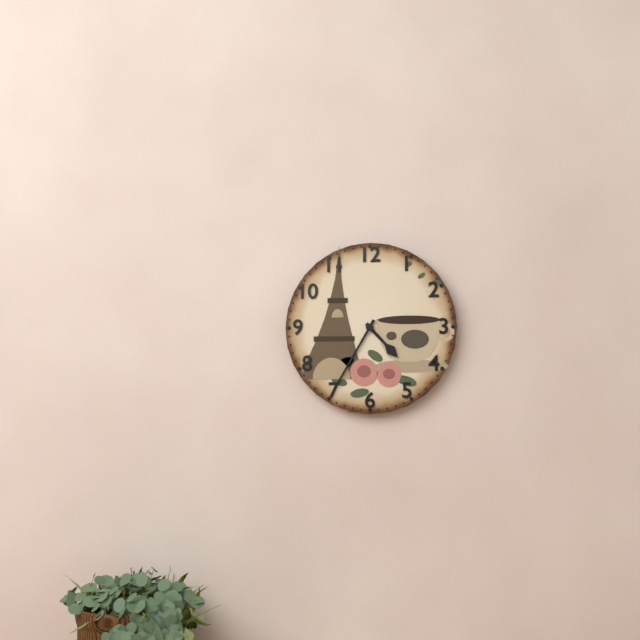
4:35
